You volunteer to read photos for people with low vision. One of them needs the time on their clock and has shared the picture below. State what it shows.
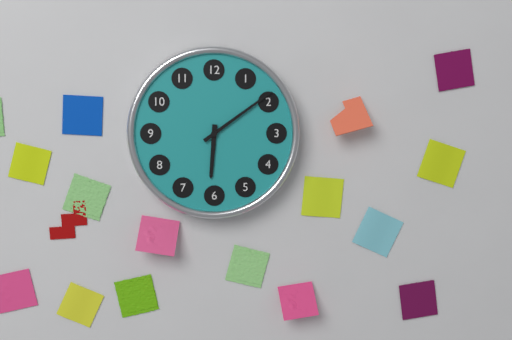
6:09
